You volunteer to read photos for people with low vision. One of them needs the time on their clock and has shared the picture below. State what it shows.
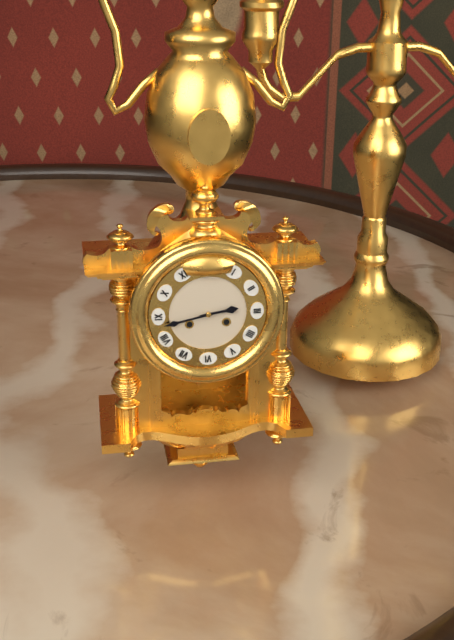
2:43
